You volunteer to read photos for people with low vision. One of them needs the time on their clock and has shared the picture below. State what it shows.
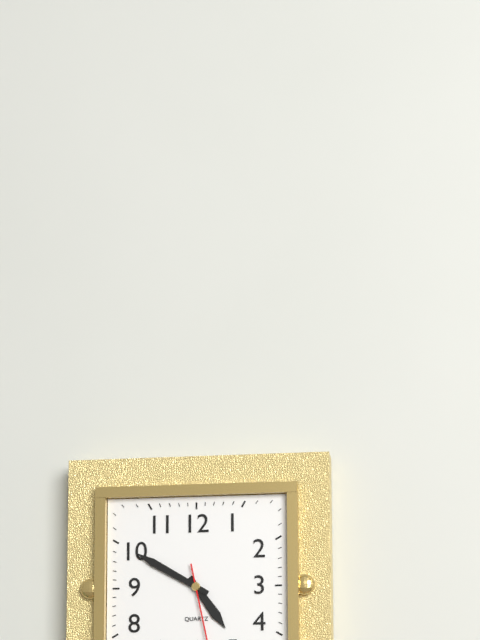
4:50
